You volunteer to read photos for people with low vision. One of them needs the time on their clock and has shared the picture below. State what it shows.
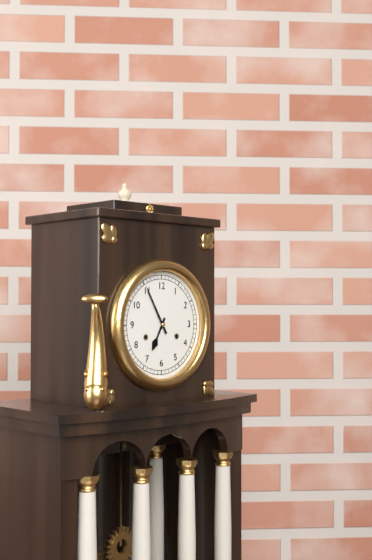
6:55
